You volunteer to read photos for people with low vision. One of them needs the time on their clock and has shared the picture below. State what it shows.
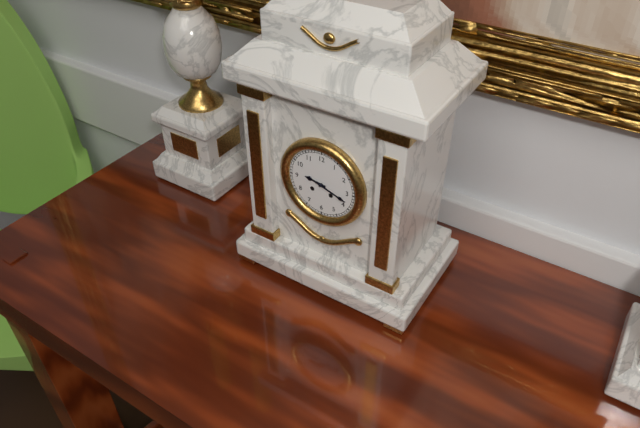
9:18
